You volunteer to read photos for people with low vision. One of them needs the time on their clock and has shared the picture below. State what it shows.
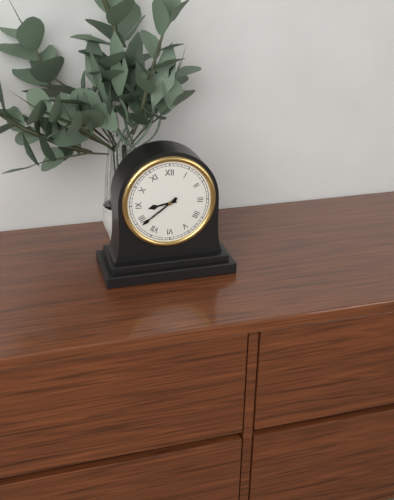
8:39
